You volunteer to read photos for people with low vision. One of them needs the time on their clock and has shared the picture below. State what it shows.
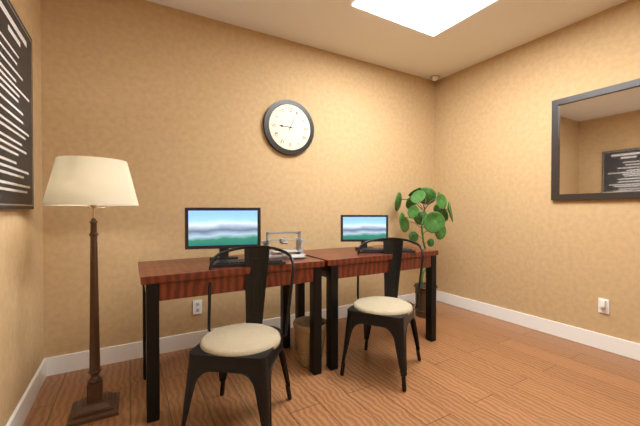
9:04
